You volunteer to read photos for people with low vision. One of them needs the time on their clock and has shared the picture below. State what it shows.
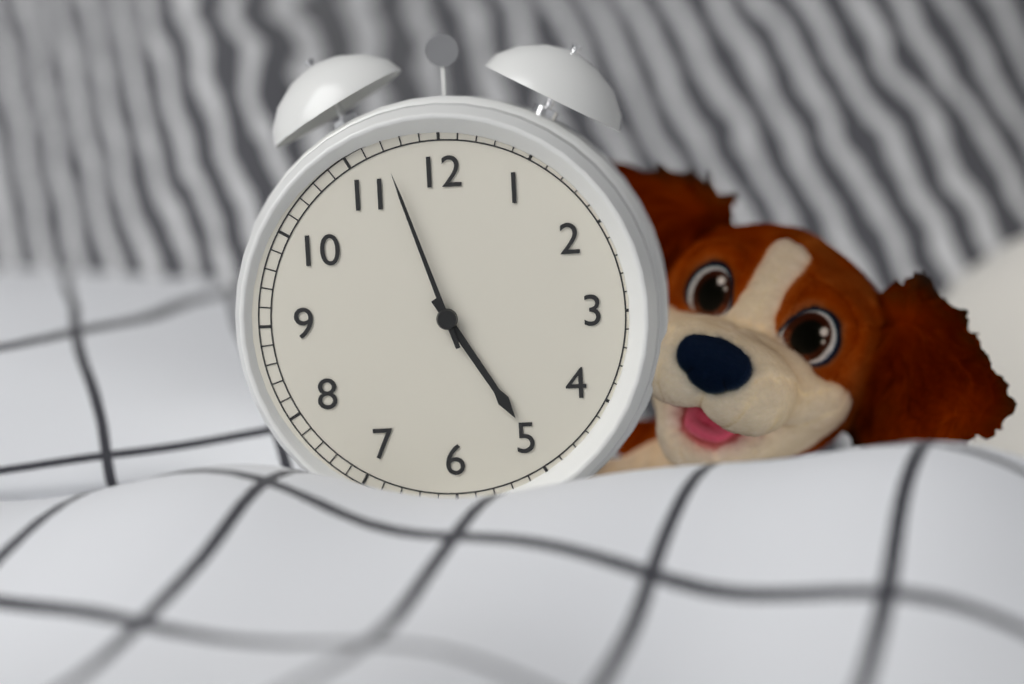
4:57
